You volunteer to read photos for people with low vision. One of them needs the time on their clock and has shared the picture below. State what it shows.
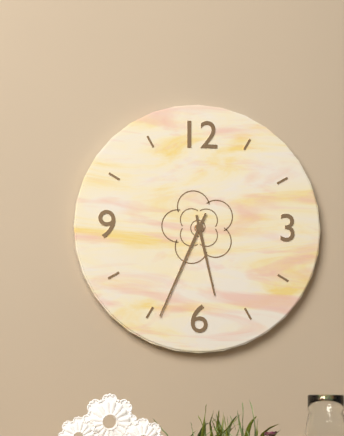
5:34
